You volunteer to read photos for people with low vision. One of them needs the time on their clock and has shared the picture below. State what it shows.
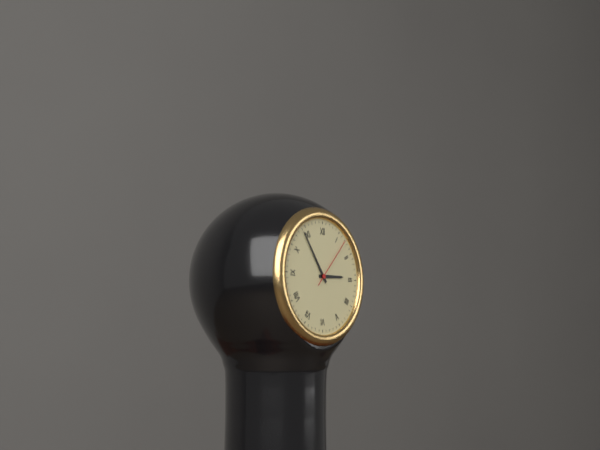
2:54:07
